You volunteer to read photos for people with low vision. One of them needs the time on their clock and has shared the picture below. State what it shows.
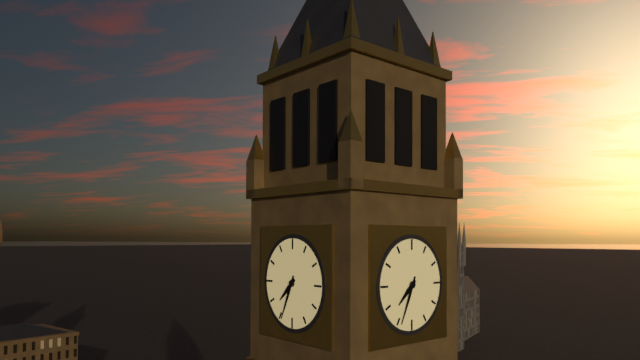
7:34
